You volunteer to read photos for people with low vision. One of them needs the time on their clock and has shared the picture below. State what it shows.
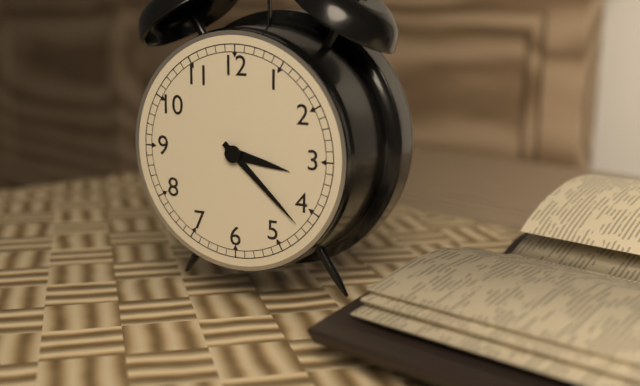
3:22
